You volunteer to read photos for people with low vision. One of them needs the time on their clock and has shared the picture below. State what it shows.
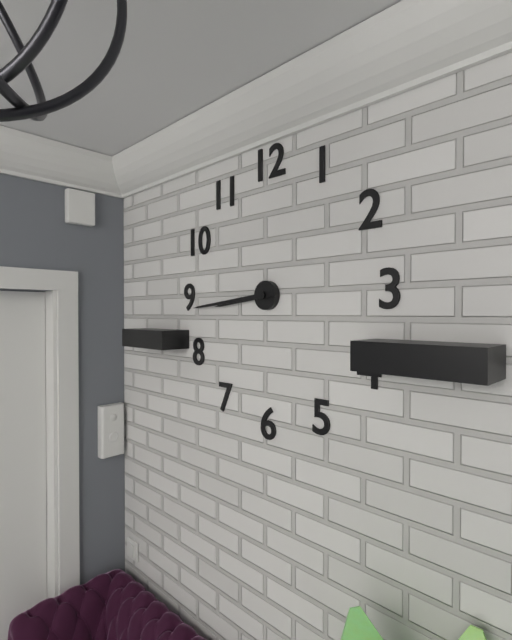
8:44
